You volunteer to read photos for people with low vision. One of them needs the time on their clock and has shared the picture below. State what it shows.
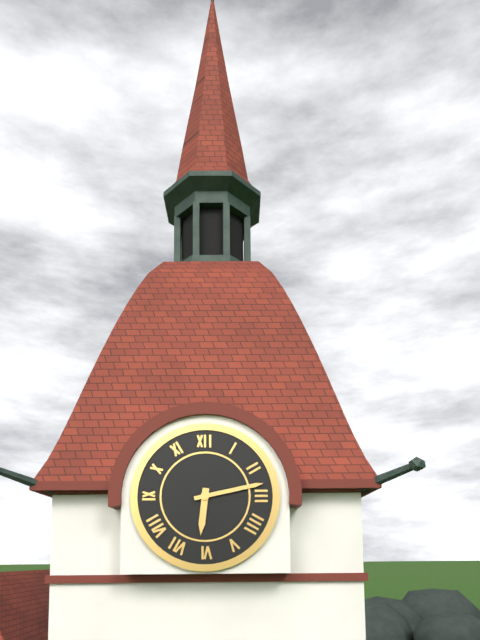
6:13
